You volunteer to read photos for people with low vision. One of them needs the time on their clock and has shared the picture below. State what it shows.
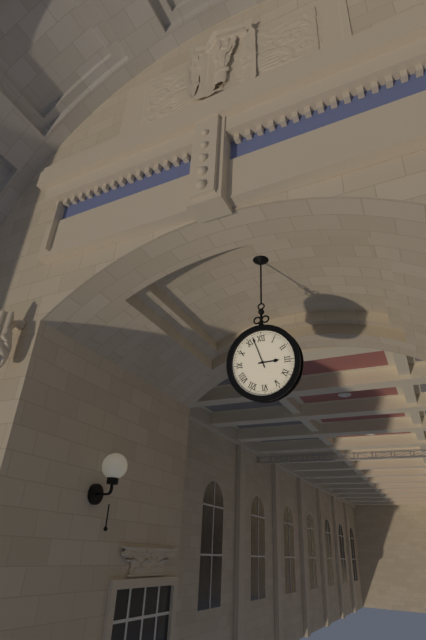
2:57
